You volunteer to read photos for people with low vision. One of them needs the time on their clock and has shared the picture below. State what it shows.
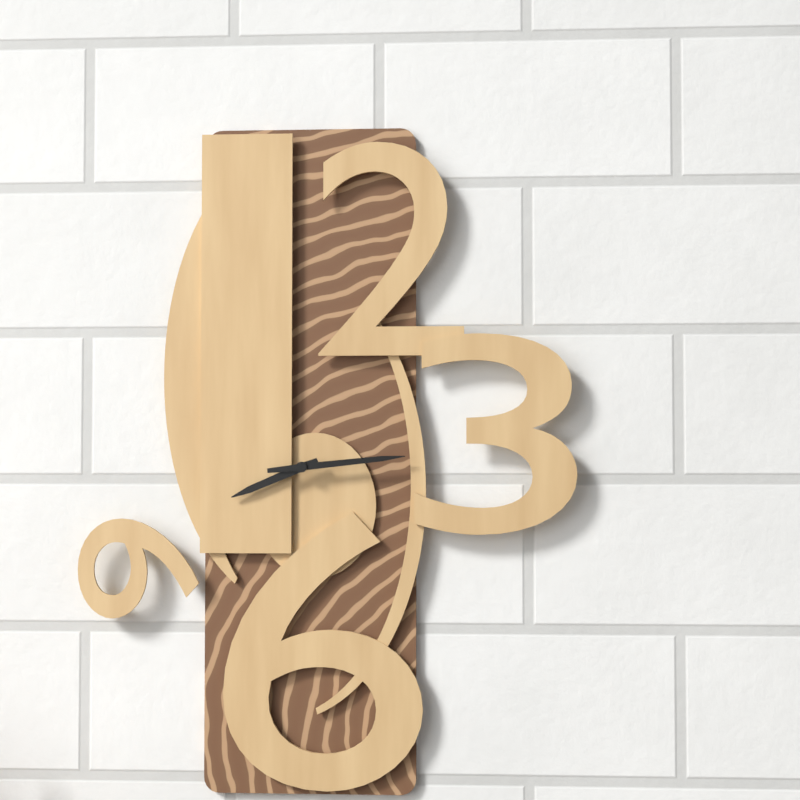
8:14
